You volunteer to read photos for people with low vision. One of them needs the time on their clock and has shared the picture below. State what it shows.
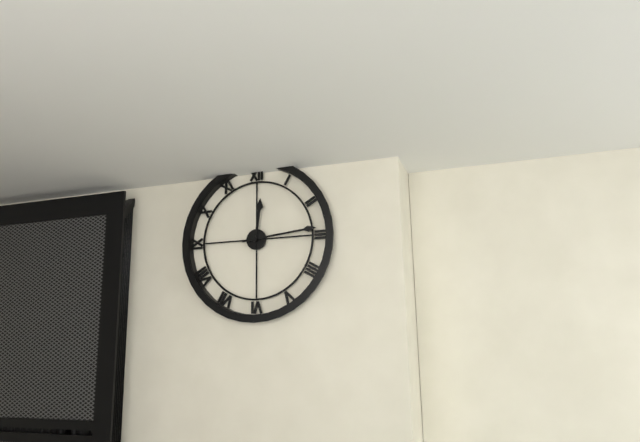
12:14
